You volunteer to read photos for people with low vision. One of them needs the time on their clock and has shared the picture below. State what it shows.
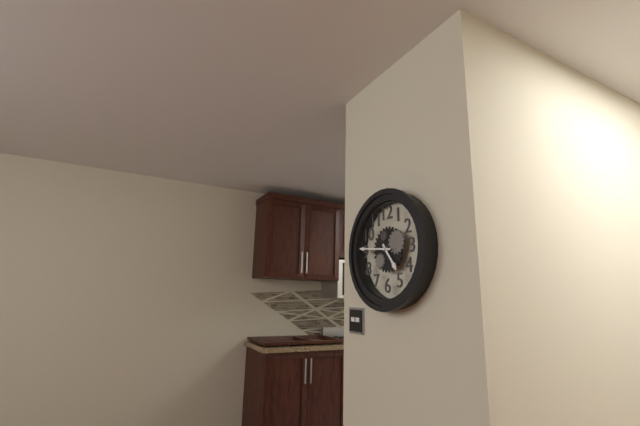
4:46
